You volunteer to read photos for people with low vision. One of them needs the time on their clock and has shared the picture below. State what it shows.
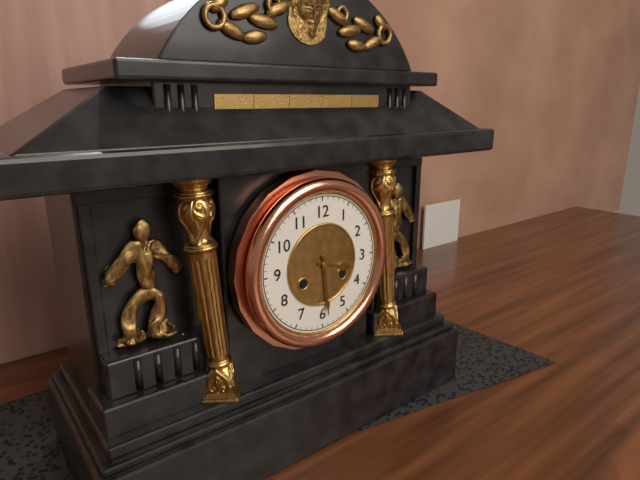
3:29
